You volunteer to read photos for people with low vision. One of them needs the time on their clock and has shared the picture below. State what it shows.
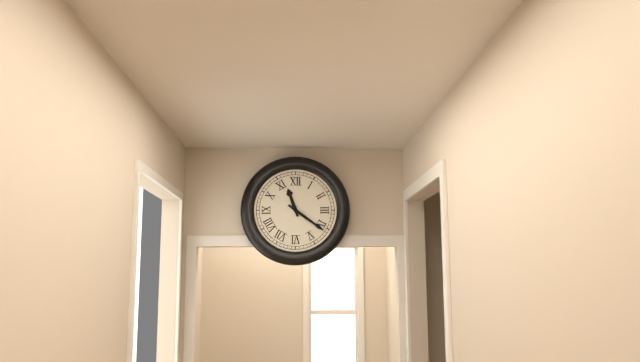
11:21
